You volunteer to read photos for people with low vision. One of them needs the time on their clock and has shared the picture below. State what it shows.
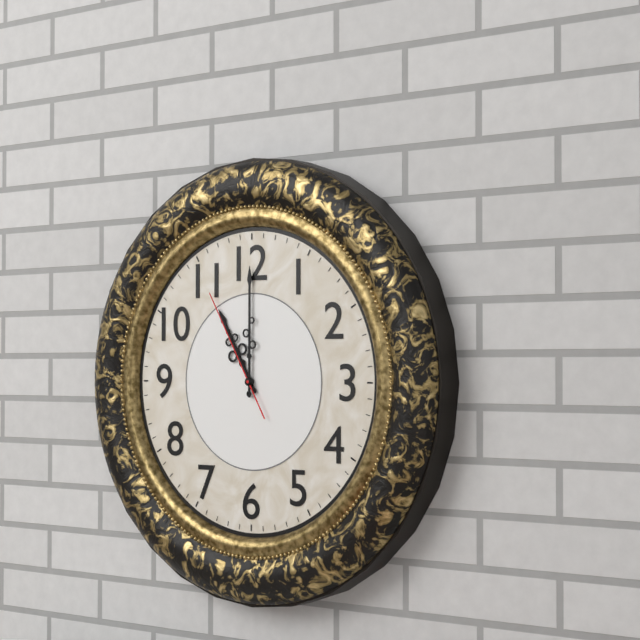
11:00:55
